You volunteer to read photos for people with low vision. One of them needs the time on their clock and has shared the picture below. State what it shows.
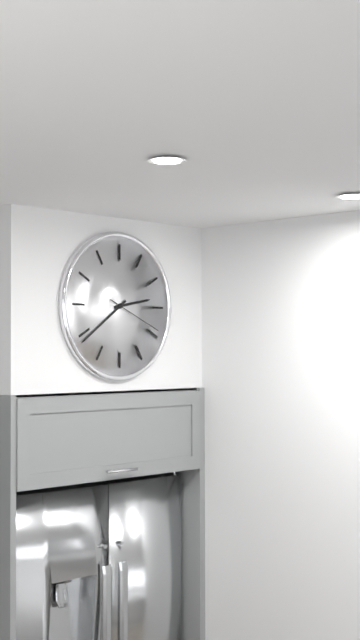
2:39:19
